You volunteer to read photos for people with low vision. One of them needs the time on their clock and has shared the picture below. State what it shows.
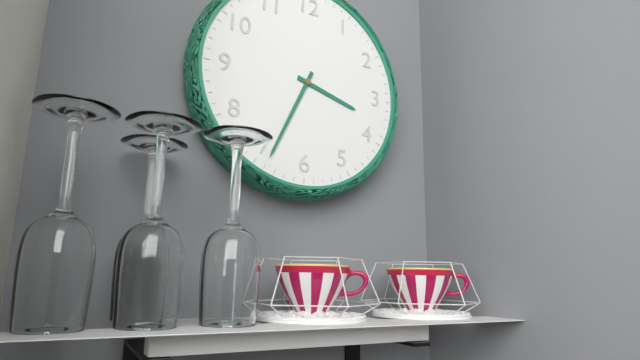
3:34
